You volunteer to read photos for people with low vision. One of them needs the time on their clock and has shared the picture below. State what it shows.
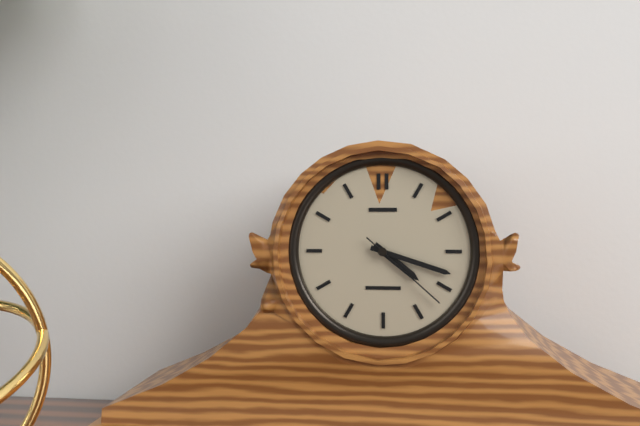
4:18:22
